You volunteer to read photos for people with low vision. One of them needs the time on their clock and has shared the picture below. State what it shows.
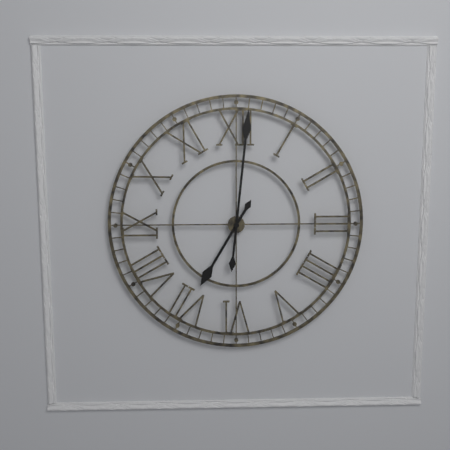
7:01
